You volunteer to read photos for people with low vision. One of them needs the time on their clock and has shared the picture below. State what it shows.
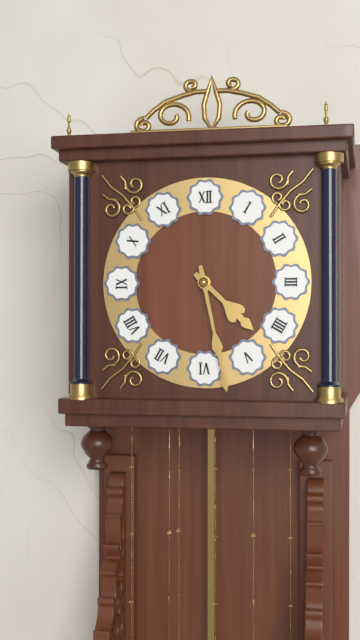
4:28
